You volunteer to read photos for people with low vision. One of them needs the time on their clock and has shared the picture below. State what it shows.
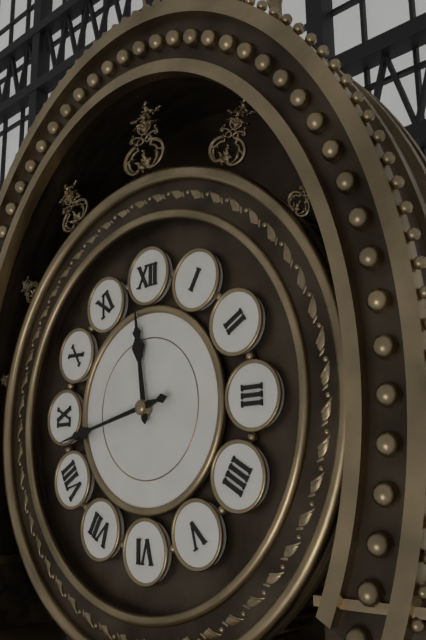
11:43
